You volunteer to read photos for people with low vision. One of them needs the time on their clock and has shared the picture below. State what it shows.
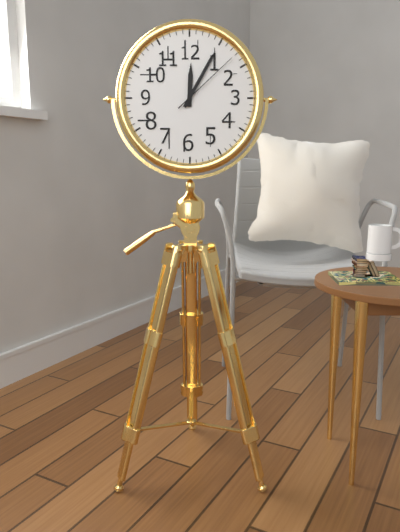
12:05:08
